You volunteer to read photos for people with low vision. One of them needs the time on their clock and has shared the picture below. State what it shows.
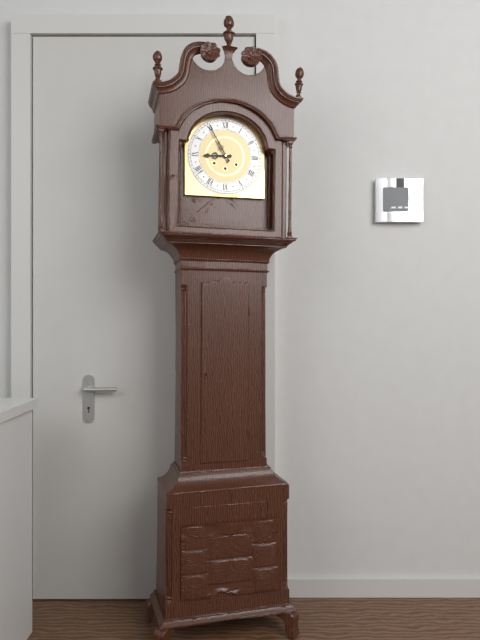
8:55
